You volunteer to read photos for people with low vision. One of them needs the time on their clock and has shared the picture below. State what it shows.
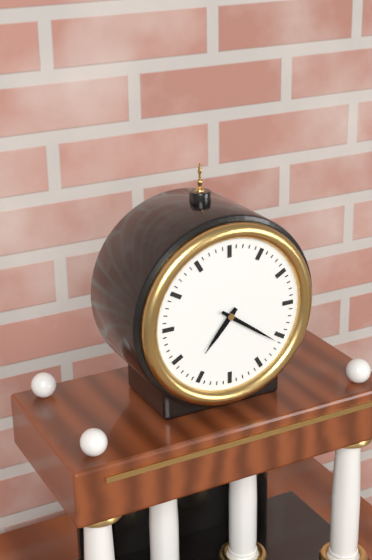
7:21
